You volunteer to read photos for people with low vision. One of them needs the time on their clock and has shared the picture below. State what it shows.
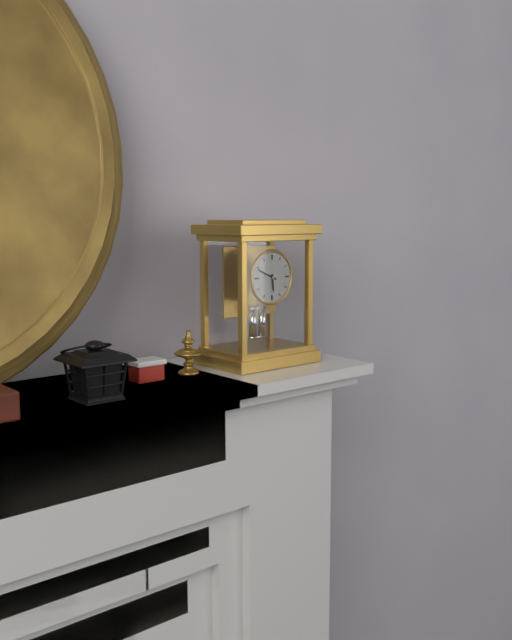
5:49
